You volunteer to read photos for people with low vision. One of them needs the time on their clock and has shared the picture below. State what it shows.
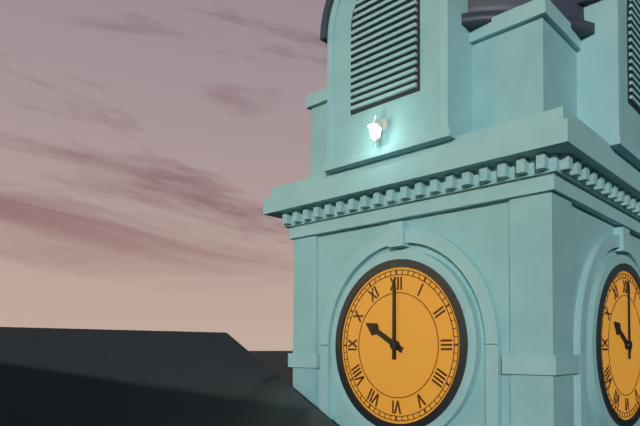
10:00
